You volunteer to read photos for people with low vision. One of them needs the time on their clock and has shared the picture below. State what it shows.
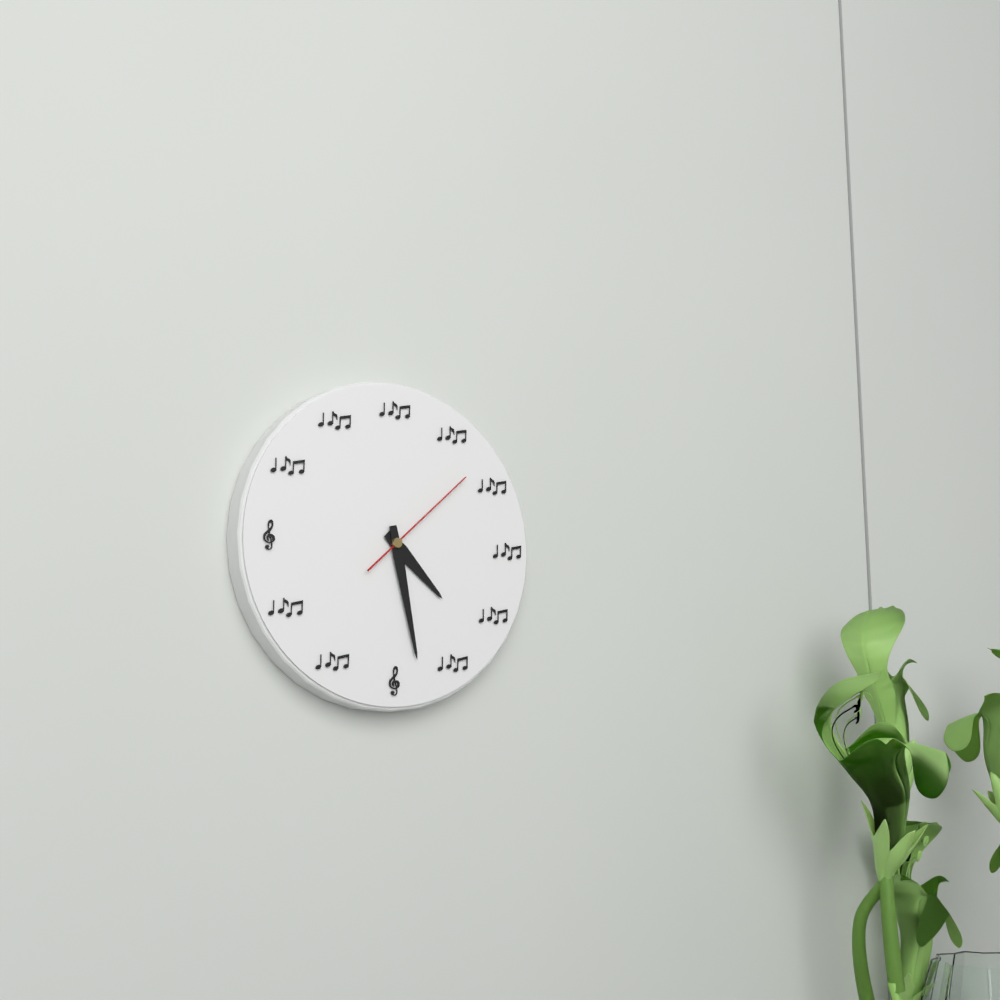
4:28:08
